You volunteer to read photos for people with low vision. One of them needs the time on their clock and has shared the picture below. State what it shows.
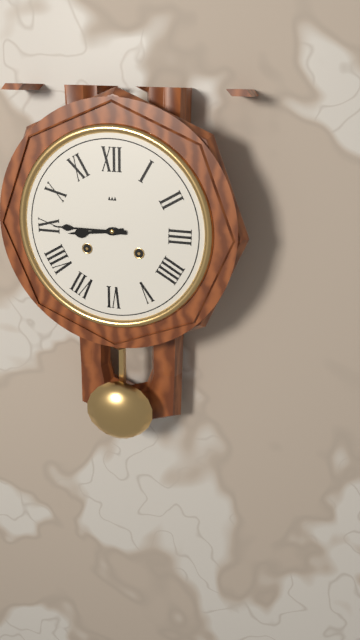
8:45
